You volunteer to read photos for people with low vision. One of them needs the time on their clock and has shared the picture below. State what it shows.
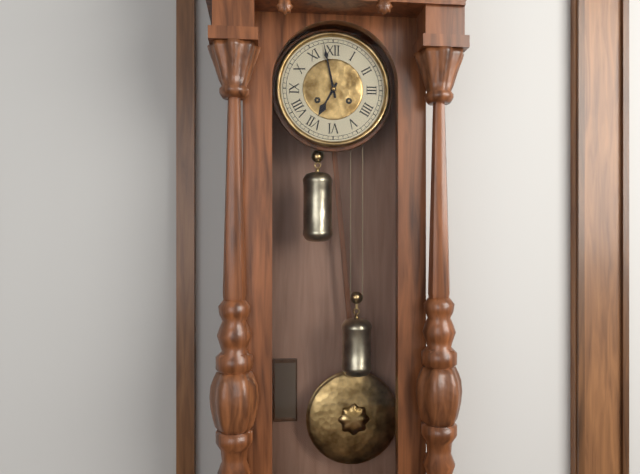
6:58
